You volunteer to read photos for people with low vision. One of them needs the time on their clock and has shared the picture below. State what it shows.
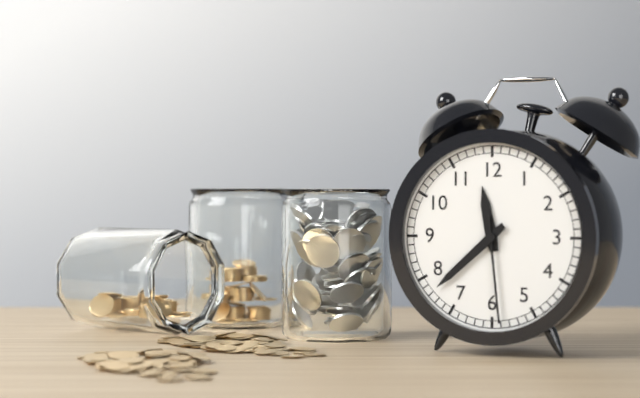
11:38:29
